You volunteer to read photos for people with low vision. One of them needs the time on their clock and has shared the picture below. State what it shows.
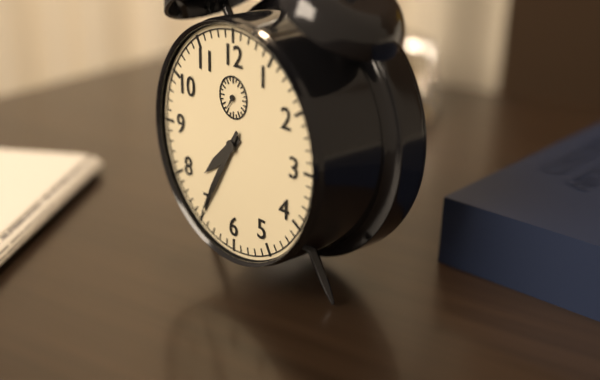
7:35
